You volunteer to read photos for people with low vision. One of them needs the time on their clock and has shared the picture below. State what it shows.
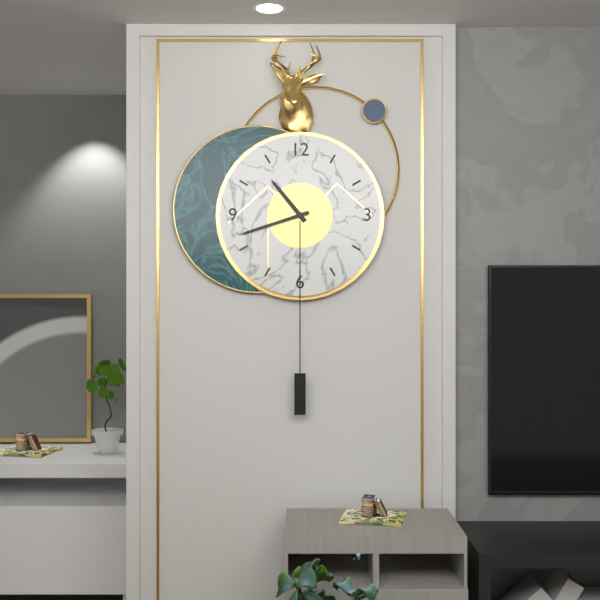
10:42
